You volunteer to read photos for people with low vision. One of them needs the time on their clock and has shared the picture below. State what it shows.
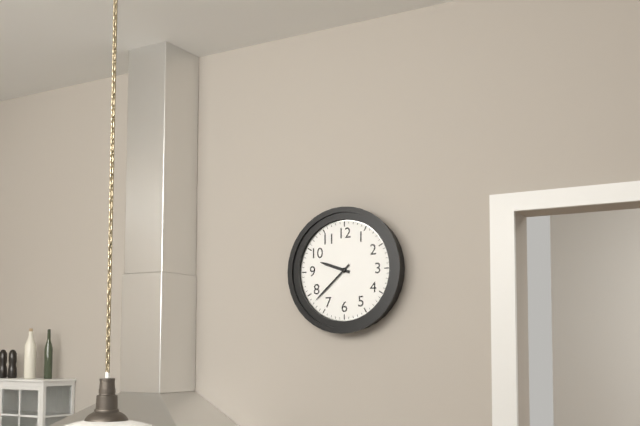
9:38
